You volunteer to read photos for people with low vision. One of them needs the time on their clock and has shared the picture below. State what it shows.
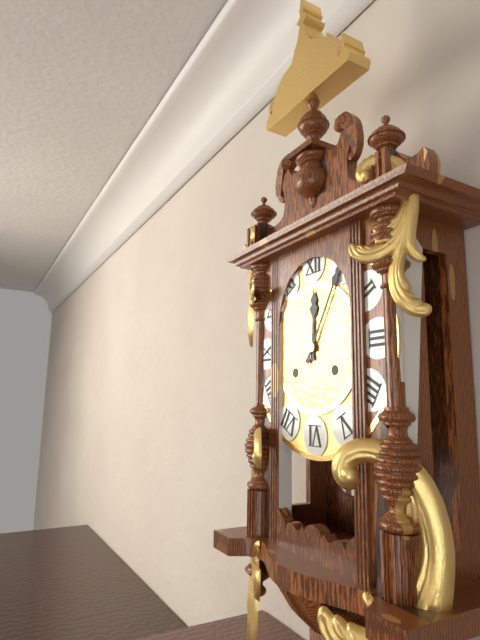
12:05
